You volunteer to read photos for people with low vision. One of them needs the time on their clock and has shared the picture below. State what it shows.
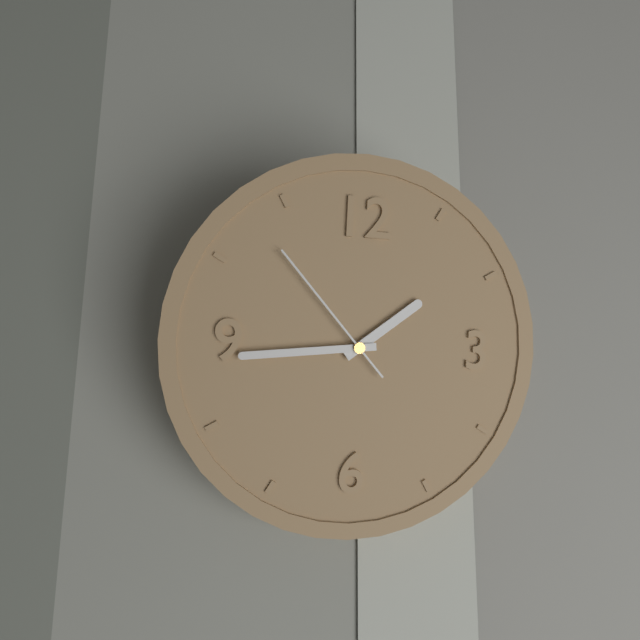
1:44:53
